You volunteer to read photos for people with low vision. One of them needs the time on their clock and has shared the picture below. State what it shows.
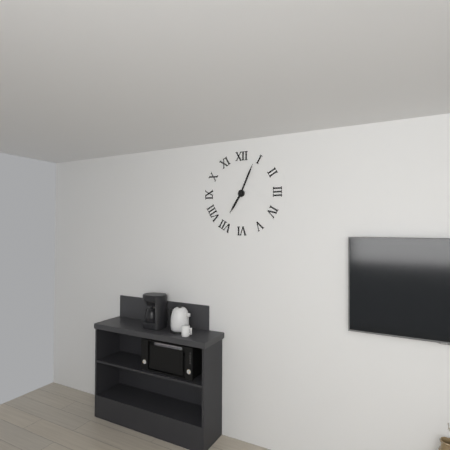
7:04
